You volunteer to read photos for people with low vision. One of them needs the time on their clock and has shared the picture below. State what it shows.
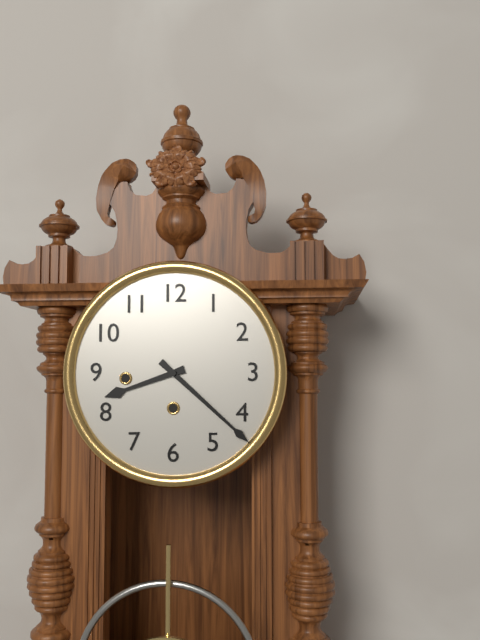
8:22
